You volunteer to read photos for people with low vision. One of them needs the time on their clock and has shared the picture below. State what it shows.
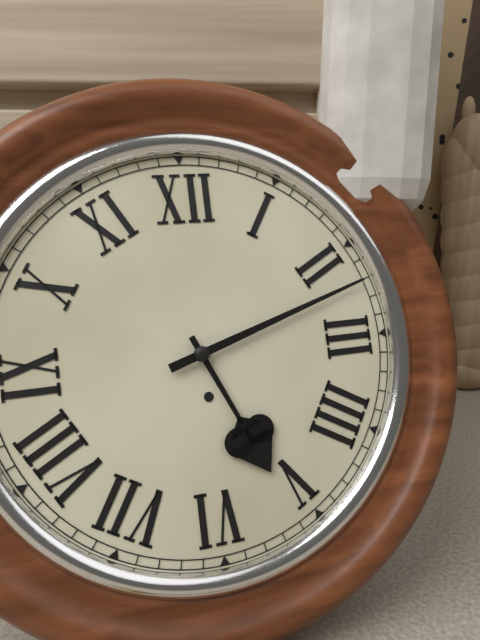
5:12
